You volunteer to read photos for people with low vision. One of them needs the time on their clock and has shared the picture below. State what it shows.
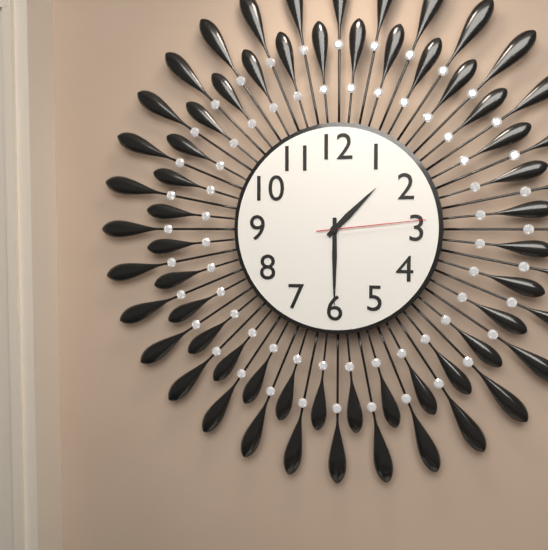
1:30:14
